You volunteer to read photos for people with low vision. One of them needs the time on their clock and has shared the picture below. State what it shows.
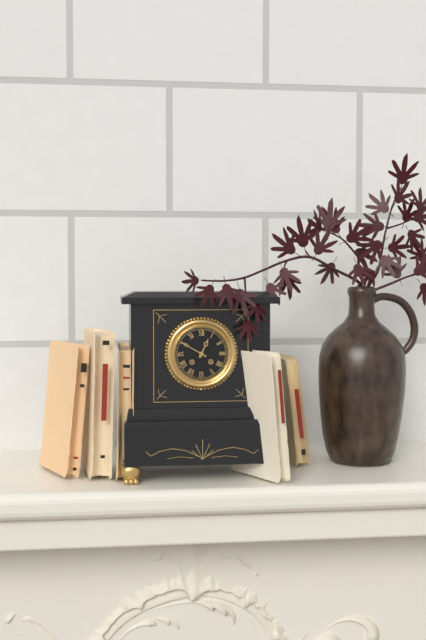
12:50
